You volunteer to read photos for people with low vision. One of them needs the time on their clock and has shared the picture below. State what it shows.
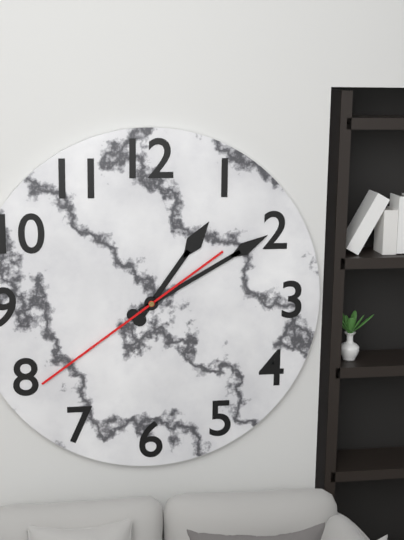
1:10:39
